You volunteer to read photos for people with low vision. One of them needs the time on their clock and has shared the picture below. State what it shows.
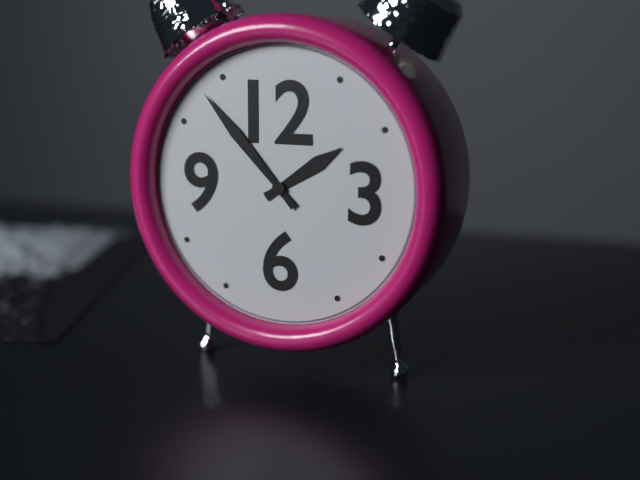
1:53
